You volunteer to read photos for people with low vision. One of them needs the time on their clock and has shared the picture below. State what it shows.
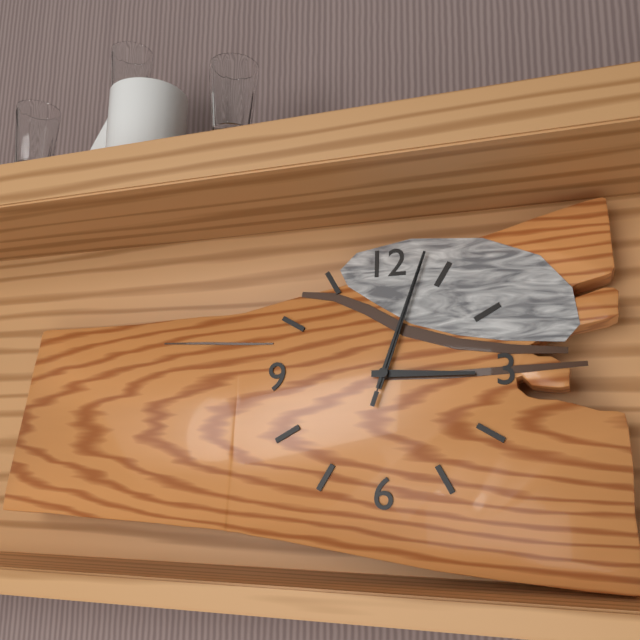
3:03:03
